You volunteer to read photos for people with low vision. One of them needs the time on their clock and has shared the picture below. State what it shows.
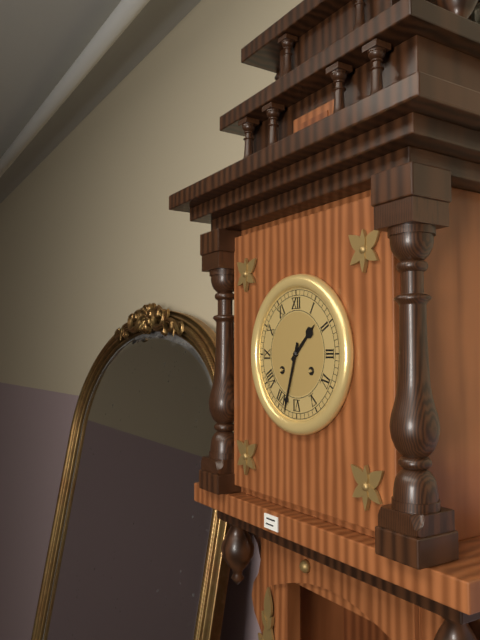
1:33
